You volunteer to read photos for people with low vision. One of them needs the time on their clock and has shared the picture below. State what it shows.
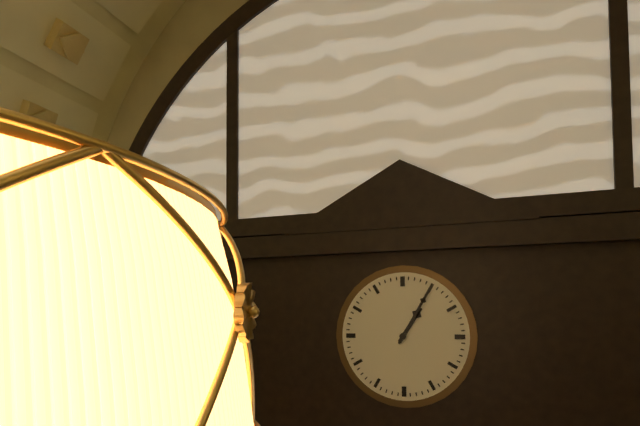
1:05
